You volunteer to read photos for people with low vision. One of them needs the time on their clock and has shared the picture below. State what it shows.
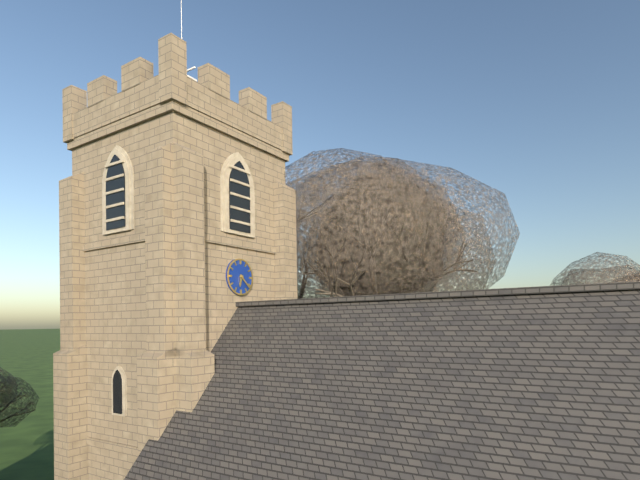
6:22
